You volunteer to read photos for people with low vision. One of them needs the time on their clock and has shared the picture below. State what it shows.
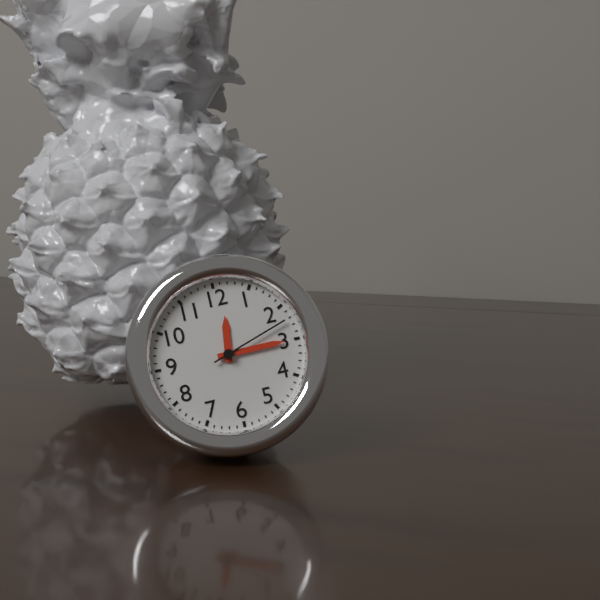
12:15:12
